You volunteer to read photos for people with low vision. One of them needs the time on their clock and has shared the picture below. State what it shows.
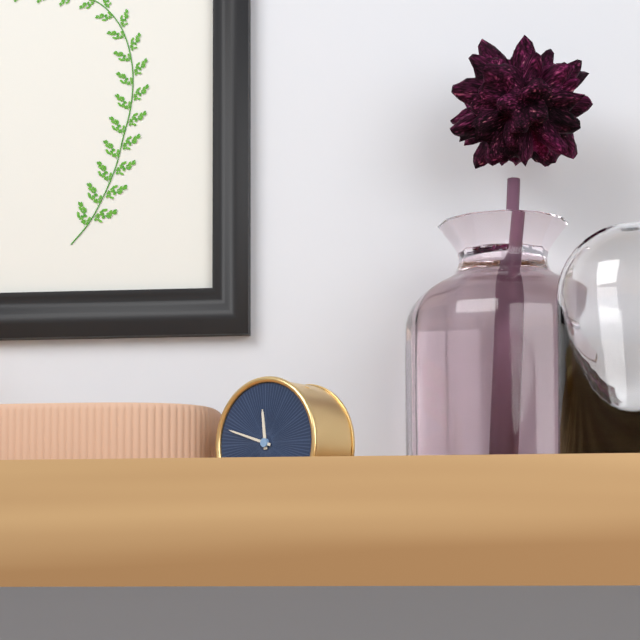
11:48
